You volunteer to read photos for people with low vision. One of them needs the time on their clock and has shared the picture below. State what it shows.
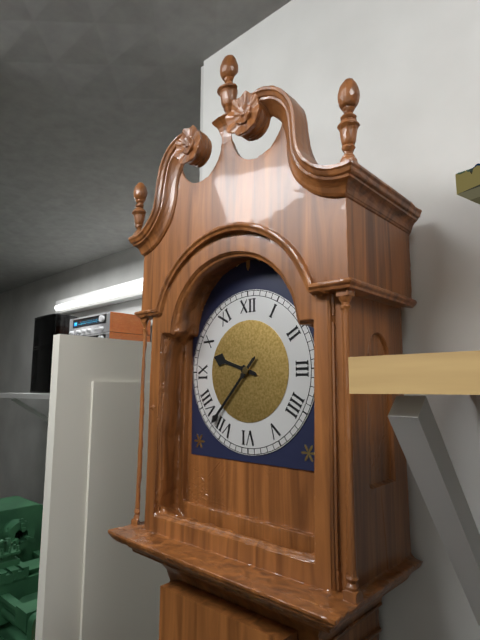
9:37
